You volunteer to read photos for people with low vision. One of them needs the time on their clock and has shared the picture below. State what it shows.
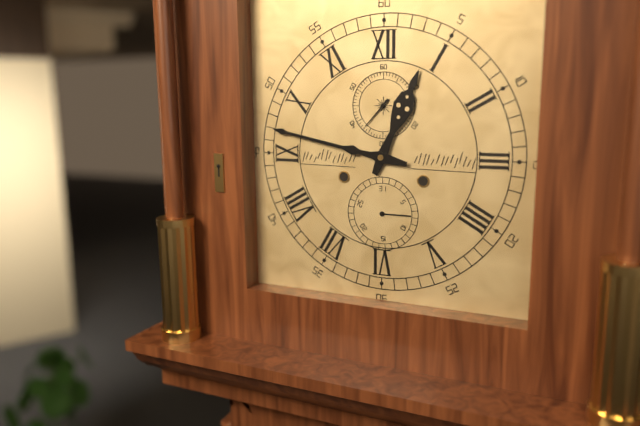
12:47
